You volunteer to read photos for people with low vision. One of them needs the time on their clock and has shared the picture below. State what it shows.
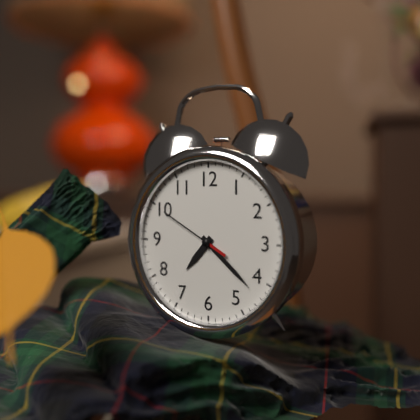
7:22:50
